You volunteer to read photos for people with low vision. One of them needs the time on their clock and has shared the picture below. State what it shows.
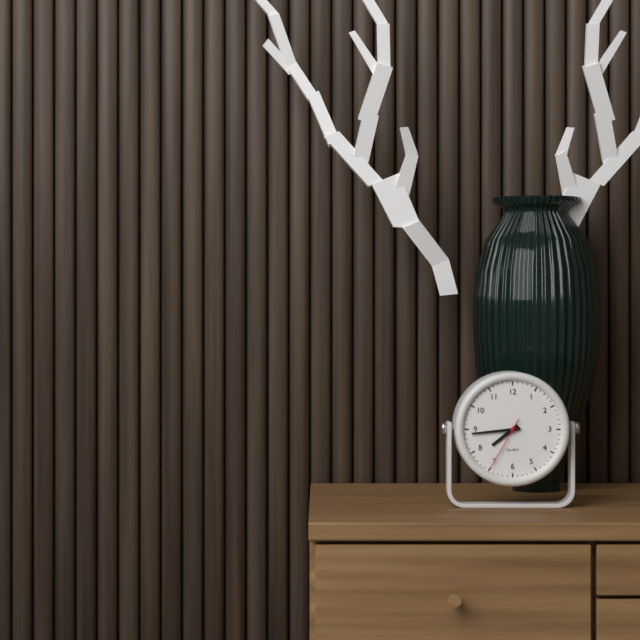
7:44:35
